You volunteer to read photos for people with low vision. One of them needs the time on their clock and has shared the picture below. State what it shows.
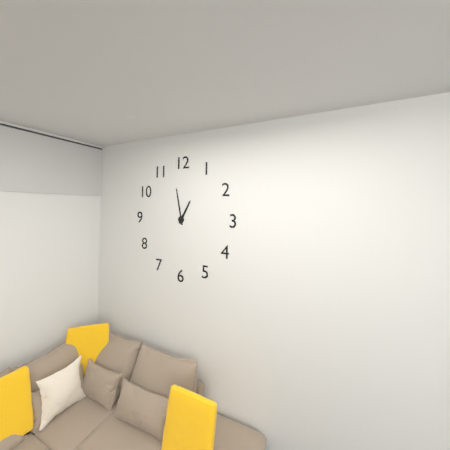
12:58
